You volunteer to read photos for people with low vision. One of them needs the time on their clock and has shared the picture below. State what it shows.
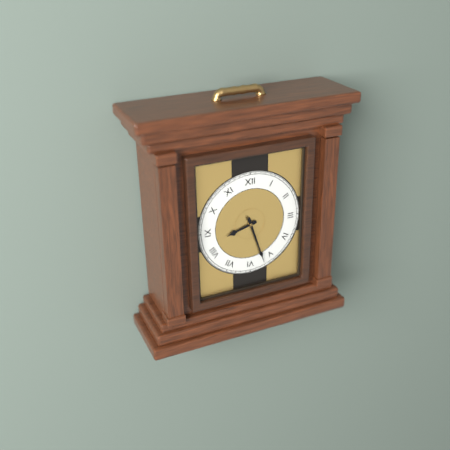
8:27
